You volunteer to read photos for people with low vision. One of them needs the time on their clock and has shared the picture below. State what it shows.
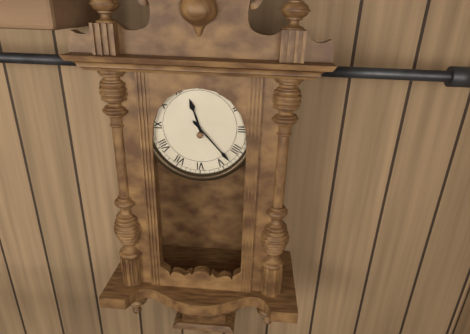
11:23
